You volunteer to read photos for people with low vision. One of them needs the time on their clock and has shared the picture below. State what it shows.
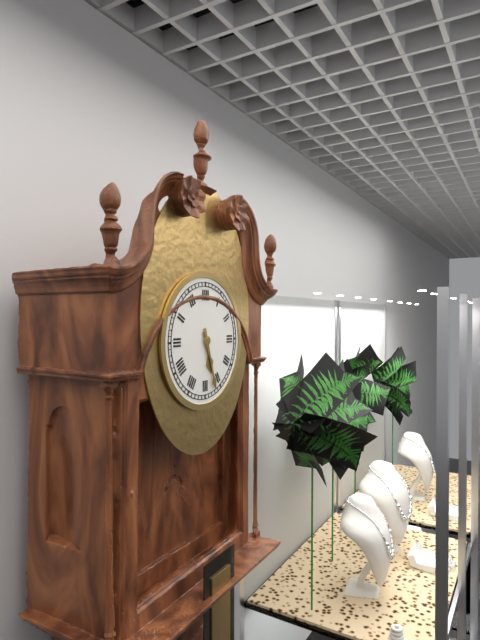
5:27
